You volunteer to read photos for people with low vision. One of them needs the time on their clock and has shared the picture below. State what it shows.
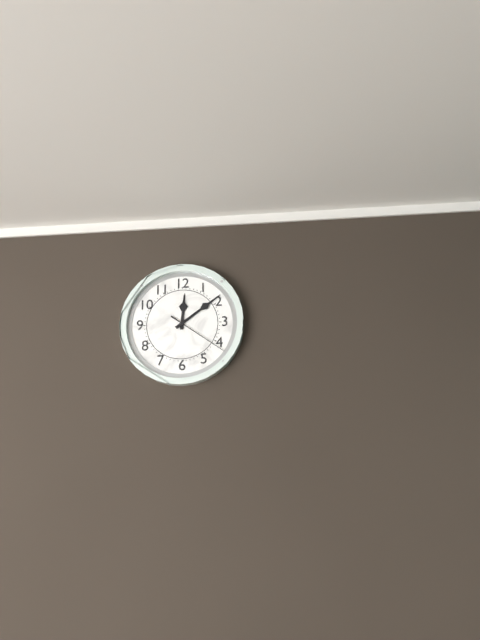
12:09:21
